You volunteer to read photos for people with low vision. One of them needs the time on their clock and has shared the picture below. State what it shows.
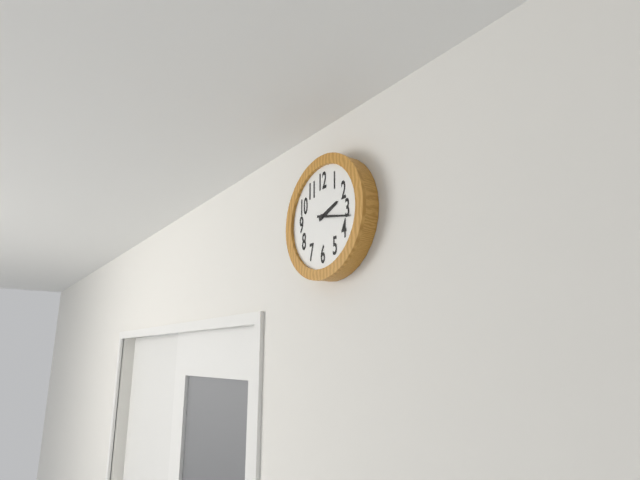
2:17
